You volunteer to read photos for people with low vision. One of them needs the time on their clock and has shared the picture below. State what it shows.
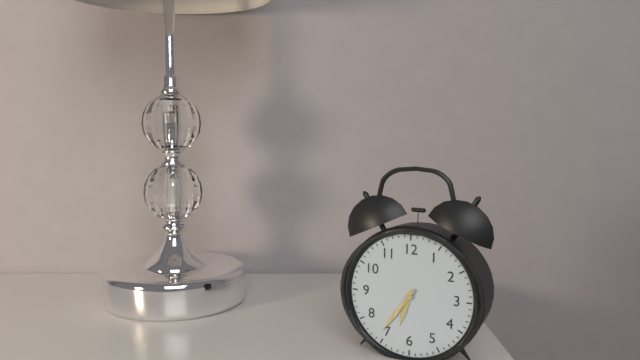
6:36
